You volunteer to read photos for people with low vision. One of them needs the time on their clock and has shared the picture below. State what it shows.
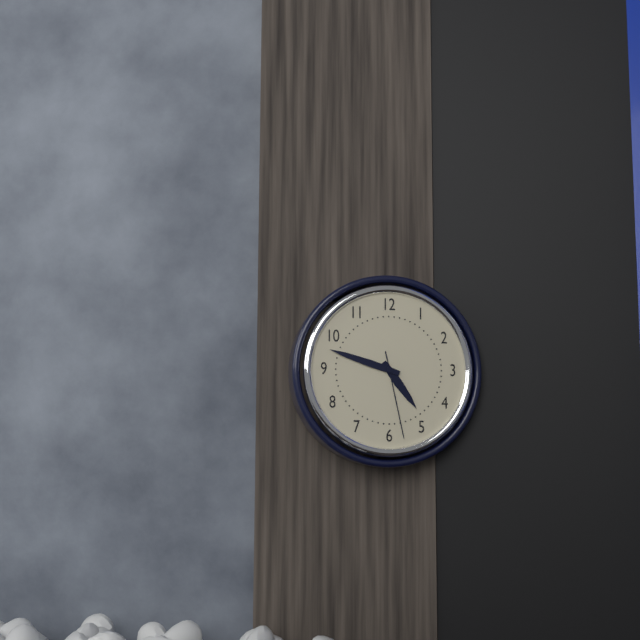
4:48:28
